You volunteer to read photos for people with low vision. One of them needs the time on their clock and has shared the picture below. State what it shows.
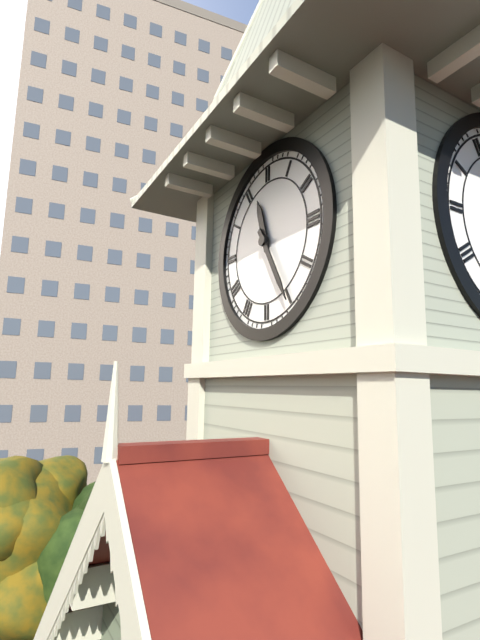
11:25
